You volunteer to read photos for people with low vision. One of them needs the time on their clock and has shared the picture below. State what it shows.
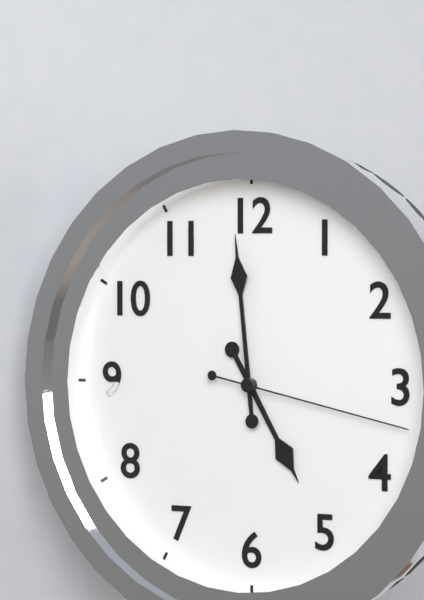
4:59:17
